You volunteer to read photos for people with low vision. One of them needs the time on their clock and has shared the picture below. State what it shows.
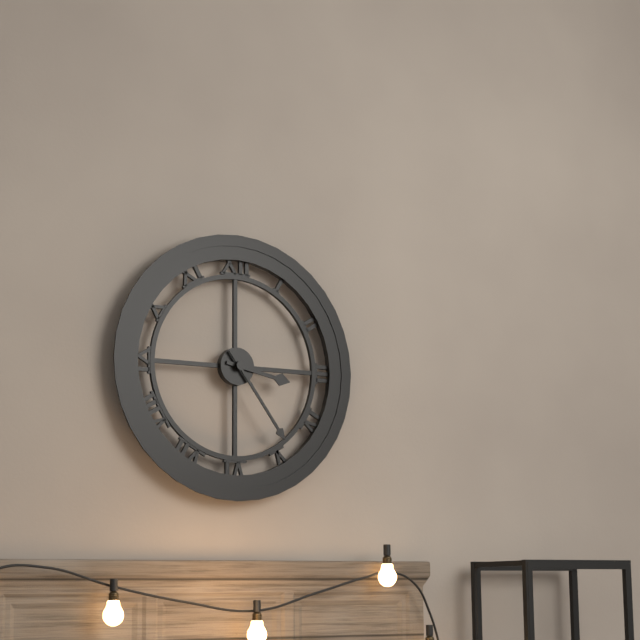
3:24
